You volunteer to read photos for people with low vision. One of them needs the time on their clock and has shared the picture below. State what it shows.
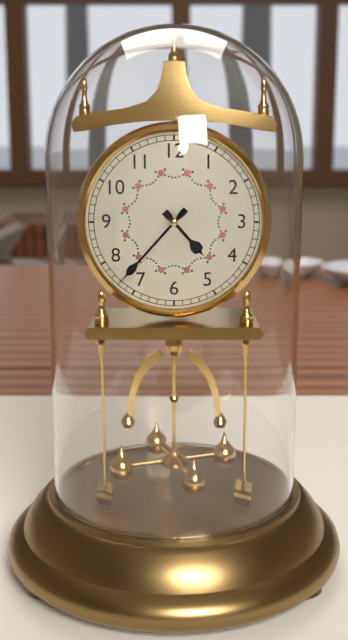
4:37
